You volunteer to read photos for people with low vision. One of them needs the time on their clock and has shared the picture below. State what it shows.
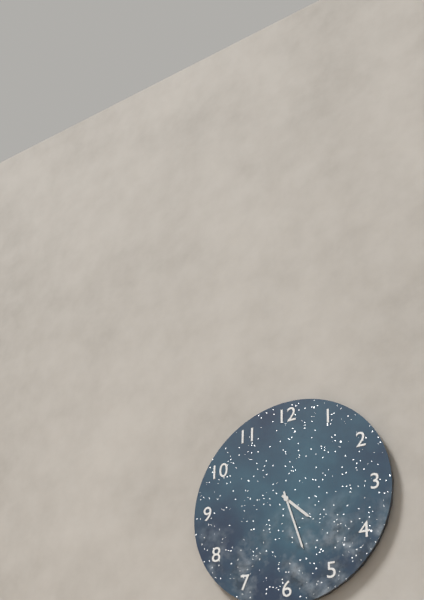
4:27
